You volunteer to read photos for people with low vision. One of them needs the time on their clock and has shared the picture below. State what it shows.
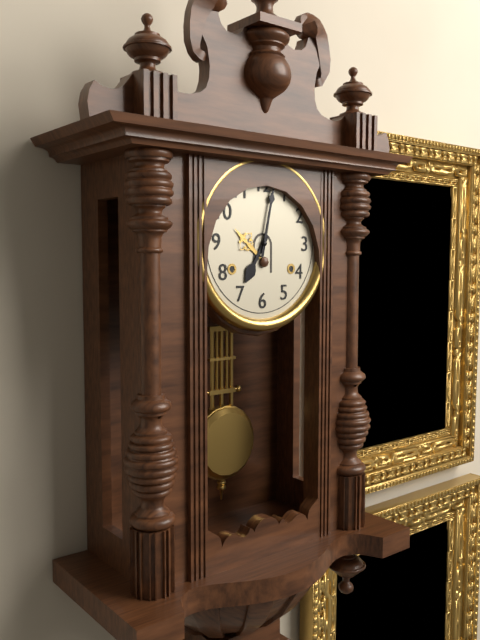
7:02
